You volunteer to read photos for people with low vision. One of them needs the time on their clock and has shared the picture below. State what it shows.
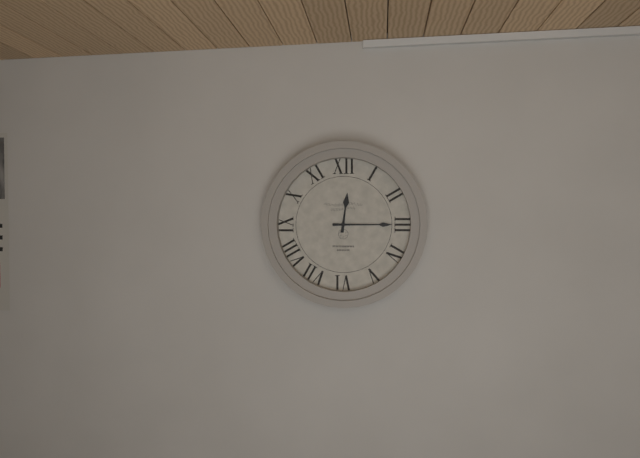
12:15
